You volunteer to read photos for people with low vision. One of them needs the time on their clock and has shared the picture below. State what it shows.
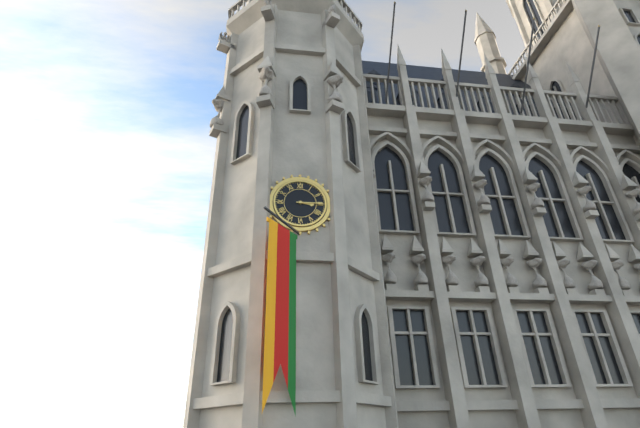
3:15
